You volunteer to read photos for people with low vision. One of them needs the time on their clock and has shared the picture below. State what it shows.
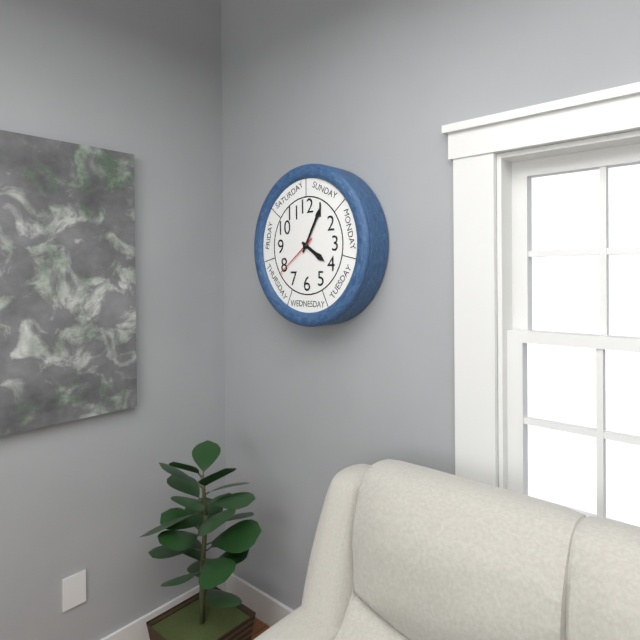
4:05
